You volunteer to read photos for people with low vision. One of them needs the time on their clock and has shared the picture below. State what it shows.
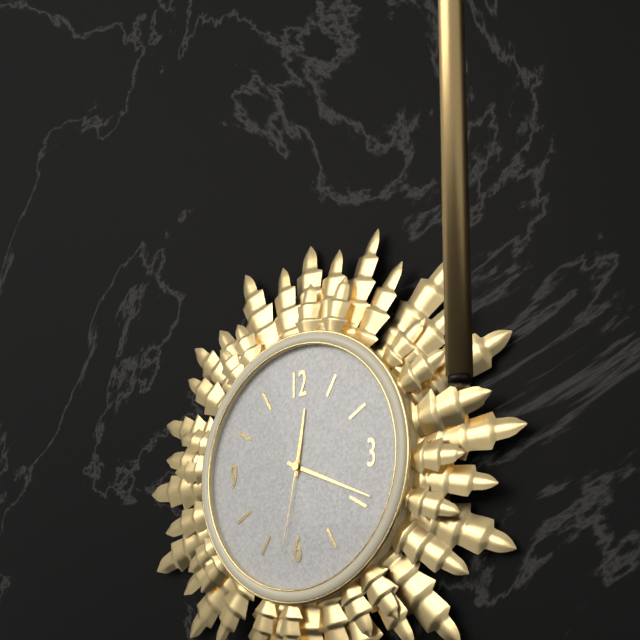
12:19:32
